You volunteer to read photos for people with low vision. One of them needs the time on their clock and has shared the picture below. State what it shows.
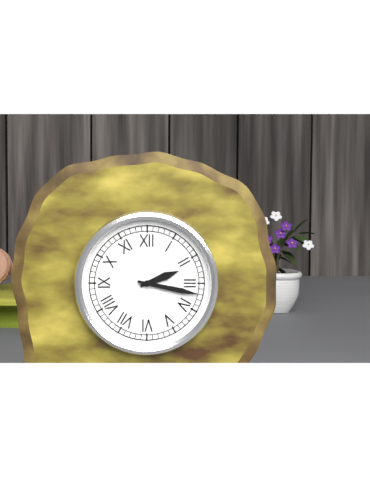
2:17
